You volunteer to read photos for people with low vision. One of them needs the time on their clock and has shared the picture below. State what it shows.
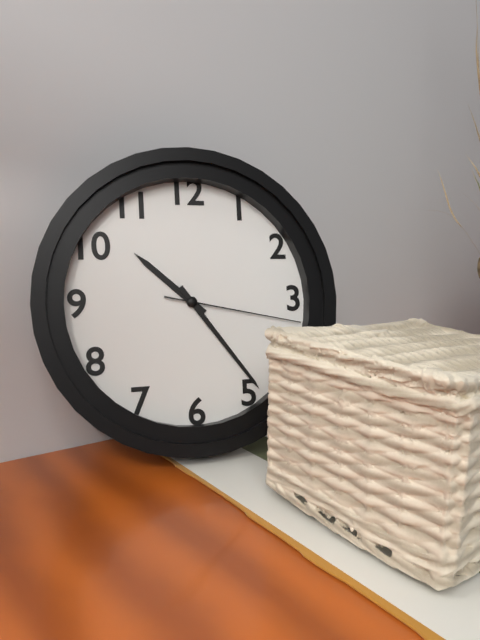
10:24:17
